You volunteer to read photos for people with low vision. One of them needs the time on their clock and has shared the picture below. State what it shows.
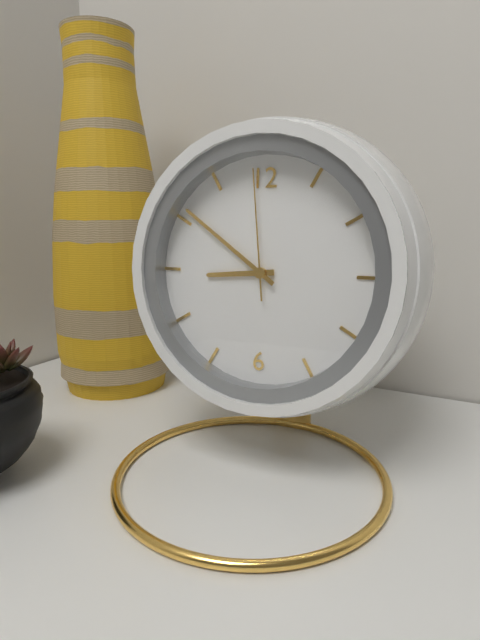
8:51:59
